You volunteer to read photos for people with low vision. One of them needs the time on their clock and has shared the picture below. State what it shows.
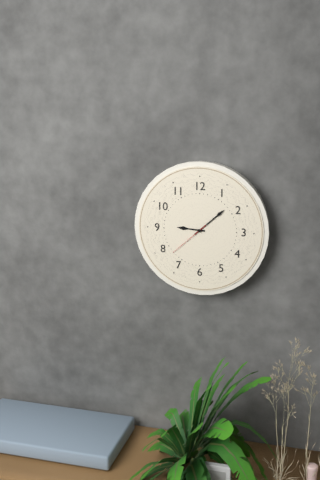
9:08
